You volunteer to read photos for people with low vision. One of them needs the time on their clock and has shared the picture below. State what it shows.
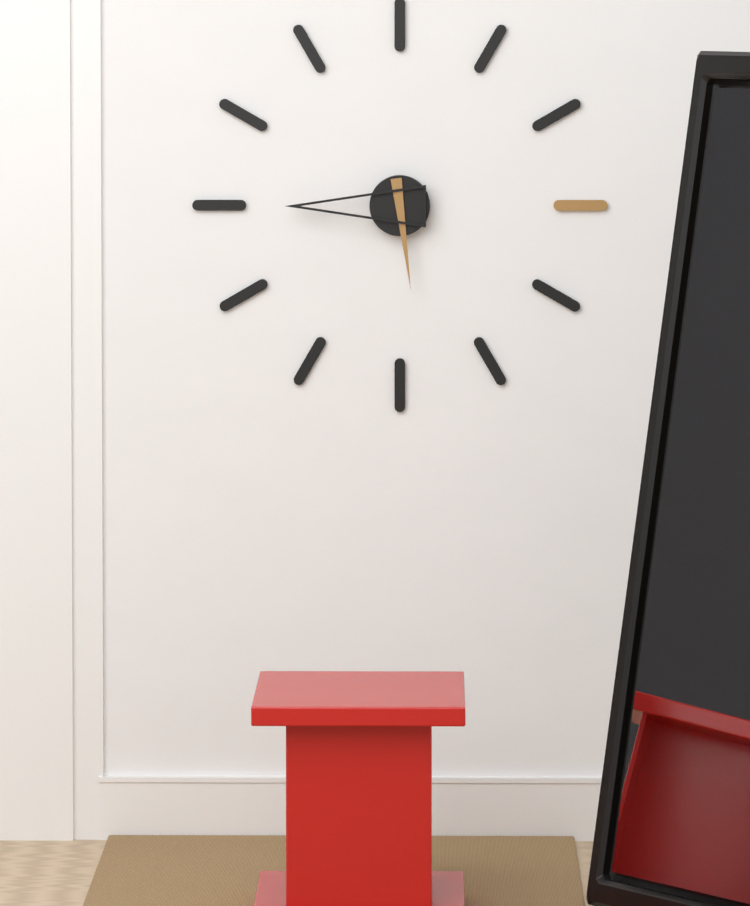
5:45
